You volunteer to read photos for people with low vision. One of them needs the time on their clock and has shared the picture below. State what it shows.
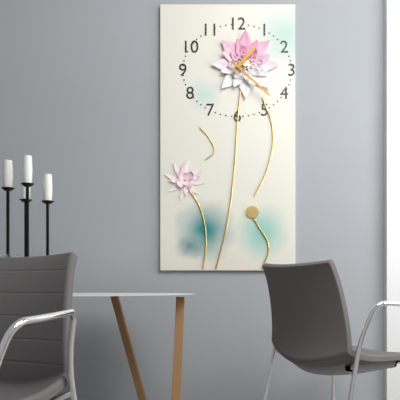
1:22
